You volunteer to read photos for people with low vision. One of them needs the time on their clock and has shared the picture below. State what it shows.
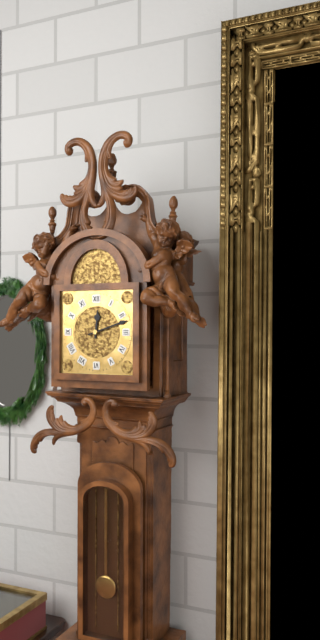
12:12
